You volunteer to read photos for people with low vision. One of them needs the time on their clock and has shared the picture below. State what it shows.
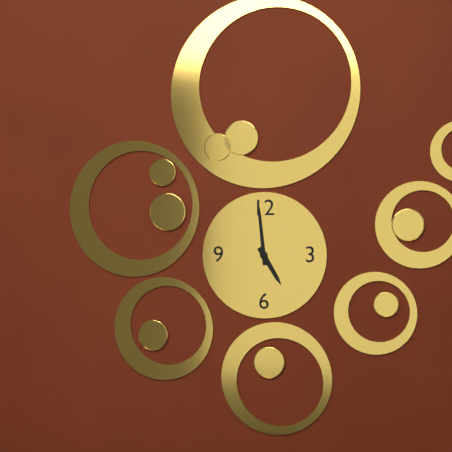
4:59
